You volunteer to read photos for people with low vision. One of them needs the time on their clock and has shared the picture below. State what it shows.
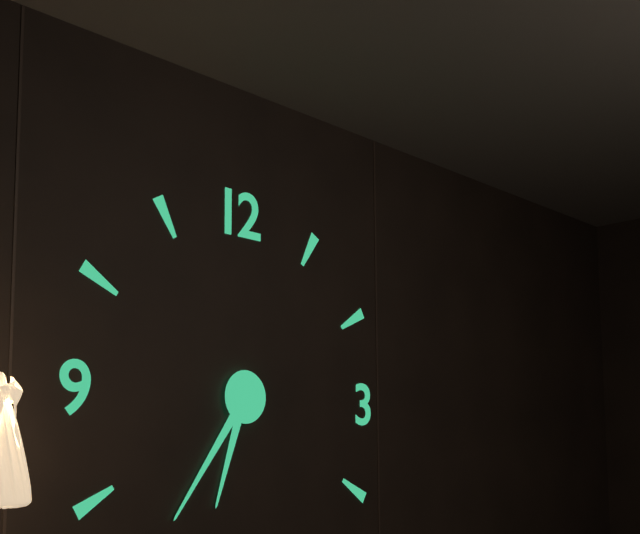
6:36
